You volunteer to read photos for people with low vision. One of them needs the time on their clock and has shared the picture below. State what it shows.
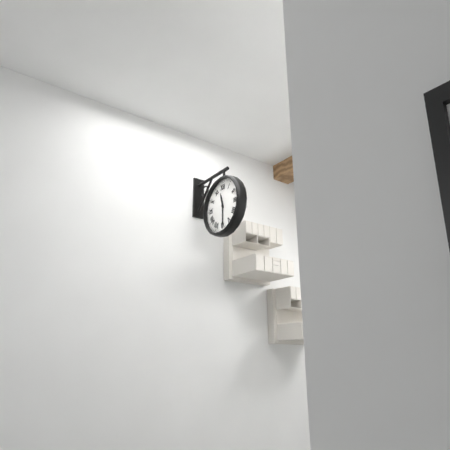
11:30
